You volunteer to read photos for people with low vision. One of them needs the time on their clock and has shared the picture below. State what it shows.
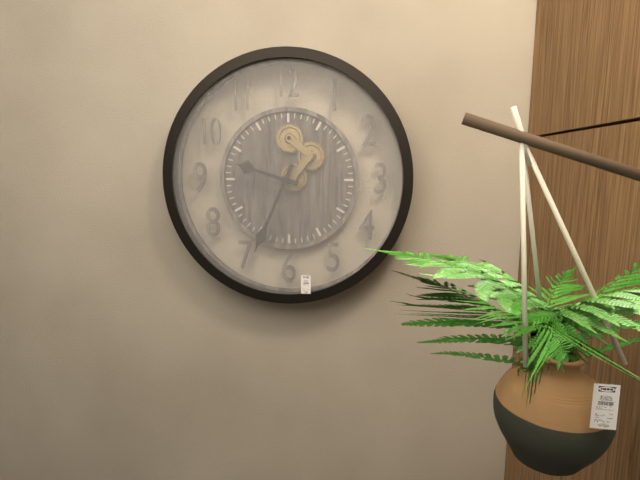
9:34
